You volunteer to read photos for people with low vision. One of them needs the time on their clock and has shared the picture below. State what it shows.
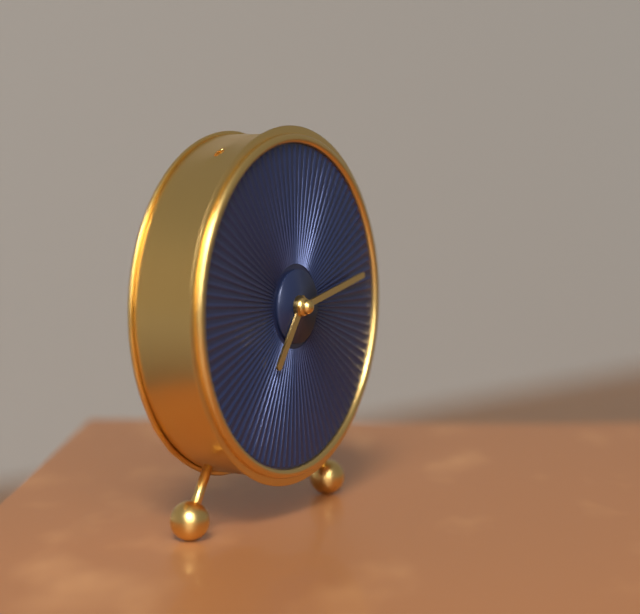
7:13
